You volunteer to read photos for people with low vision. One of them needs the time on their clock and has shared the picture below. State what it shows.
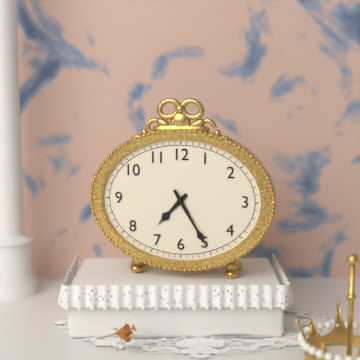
7:25
